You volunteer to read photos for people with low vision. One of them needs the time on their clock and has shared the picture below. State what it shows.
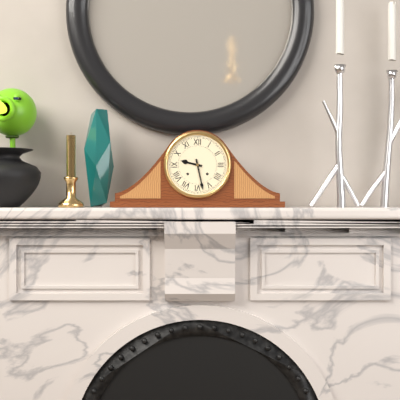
9:28
